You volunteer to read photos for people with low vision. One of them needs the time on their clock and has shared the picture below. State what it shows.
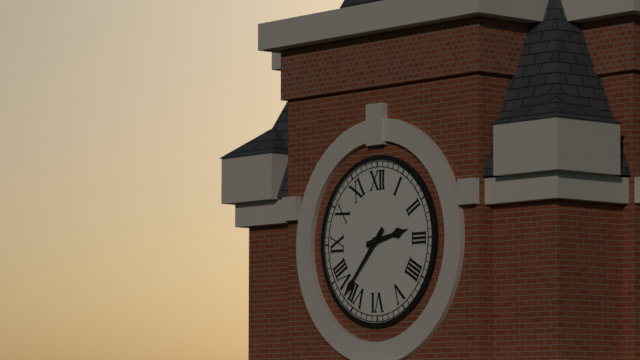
2:37
